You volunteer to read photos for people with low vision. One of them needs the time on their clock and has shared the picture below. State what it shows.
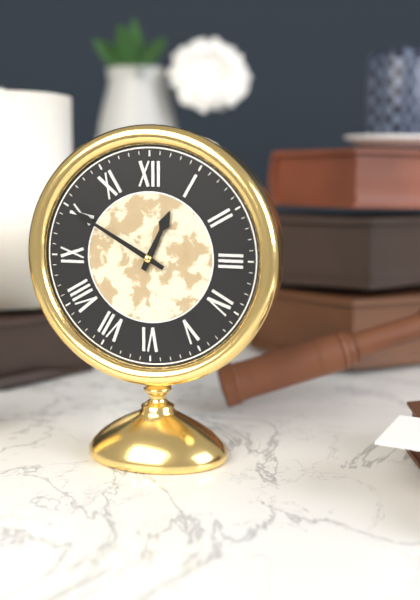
12:50
